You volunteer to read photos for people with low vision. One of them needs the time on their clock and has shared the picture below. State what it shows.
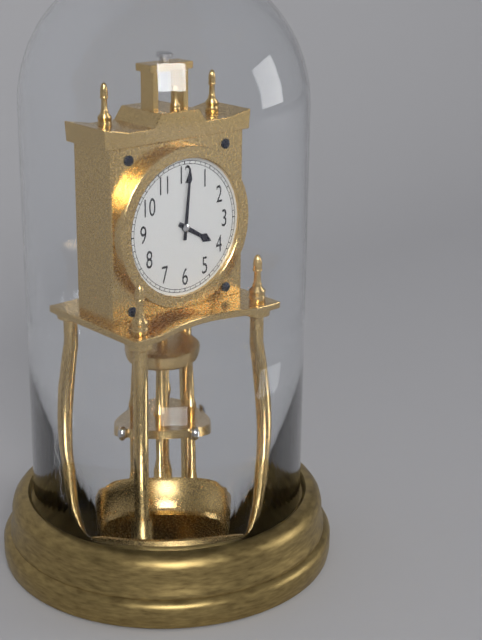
4:01
